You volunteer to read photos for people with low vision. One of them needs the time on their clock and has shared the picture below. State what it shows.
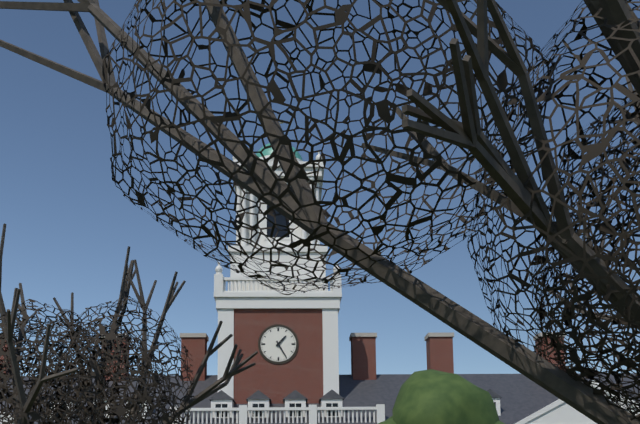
1:25
